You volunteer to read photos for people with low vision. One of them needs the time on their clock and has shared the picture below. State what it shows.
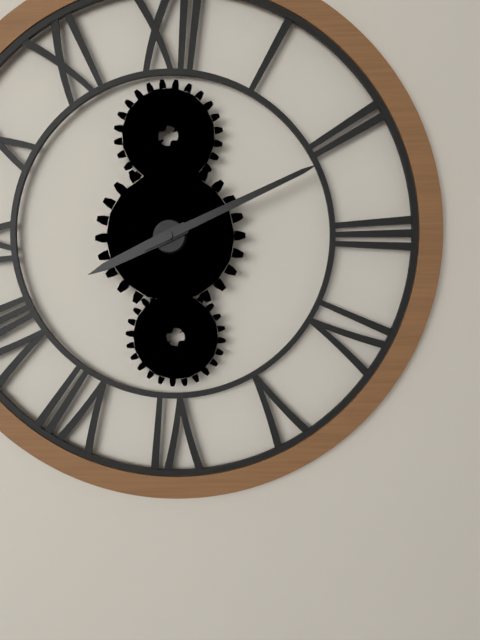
8:11
